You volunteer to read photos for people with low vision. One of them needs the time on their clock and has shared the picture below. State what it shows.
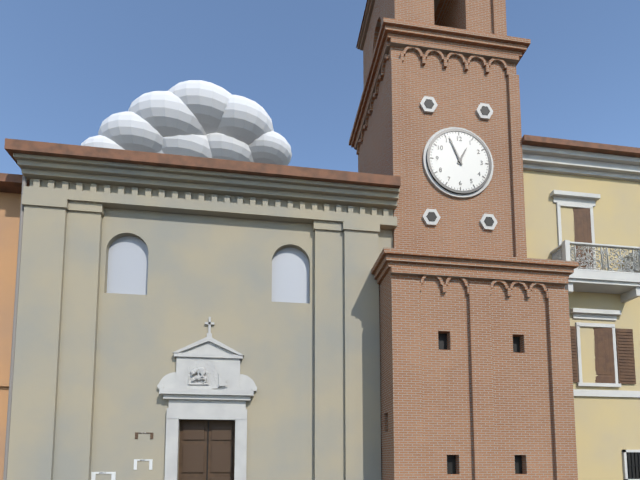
12:56
